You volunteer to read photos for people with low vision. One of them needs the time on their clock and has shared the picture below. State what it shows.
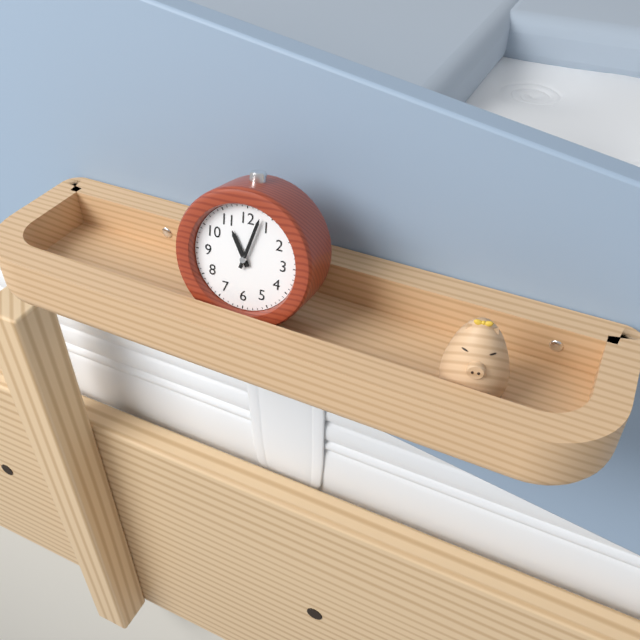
11:03
